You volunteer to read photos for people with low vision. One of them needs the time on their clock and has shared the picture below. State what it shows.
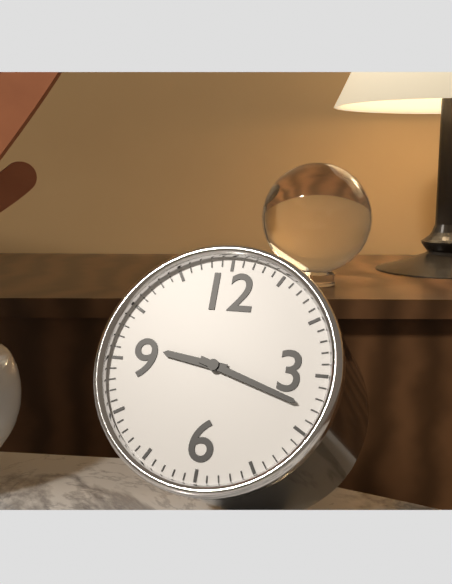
9:18
